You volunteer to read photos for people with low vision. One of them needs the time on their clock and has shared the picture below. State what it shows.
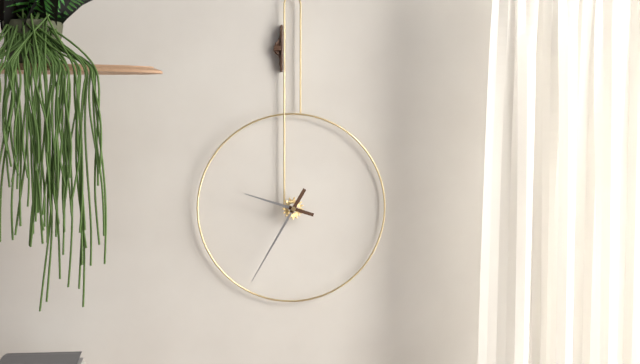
9:35
